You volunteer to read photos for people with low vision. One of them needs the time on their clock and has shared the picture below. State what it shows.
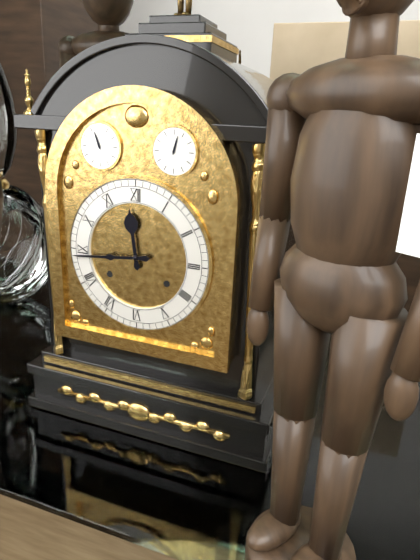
11:44
